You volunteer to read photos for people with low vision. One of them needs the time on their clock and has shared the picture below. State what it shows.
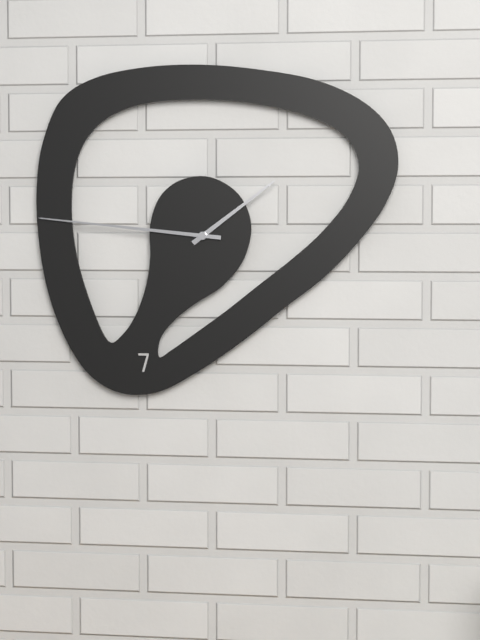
1:46
